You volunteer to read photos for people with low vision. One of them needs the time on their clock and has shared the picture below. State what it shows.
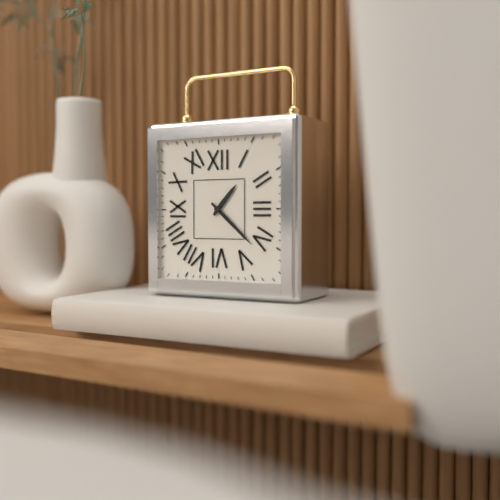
1:22
